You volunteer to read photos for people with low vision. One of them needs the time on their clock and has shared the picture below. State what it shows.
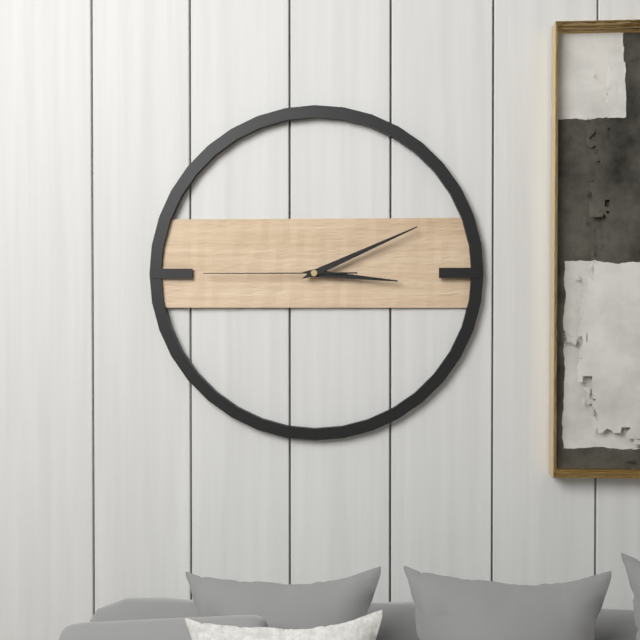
3:11:45
